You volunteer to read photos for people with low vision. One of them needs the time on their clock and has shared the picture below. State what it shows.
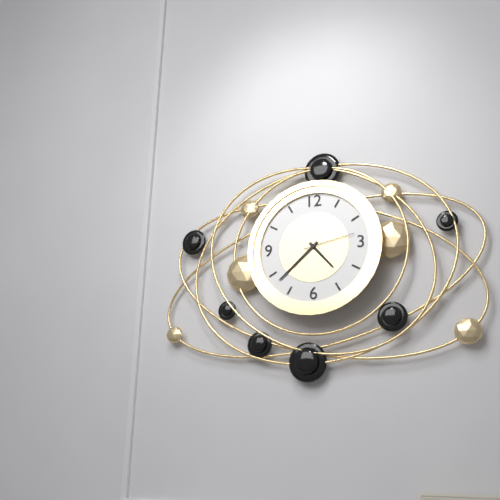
4:38:13
